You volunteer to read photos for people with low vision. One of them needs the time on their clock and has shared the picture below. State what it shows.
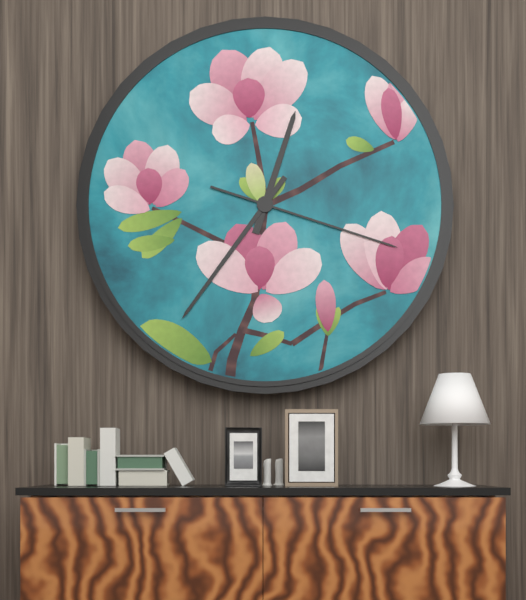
12:36:18
